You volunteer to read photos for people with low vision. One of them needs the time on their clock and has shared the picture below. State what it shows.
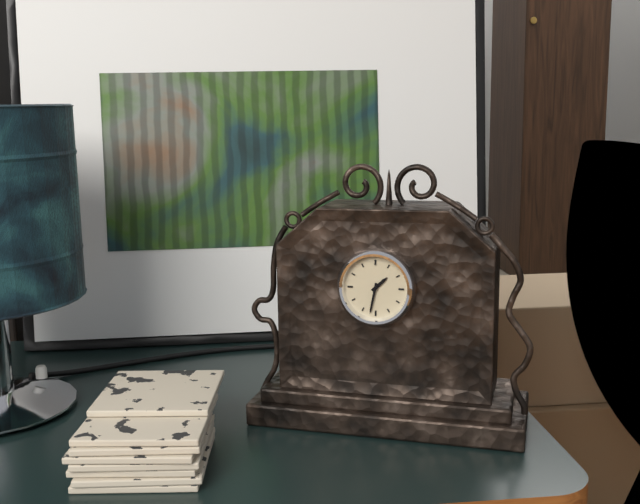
1:32
